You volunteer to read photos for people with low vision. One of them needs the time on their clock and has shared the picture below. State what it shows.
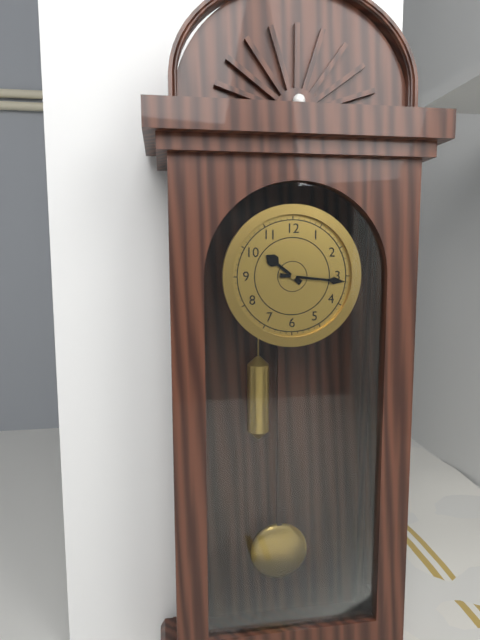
10:16
